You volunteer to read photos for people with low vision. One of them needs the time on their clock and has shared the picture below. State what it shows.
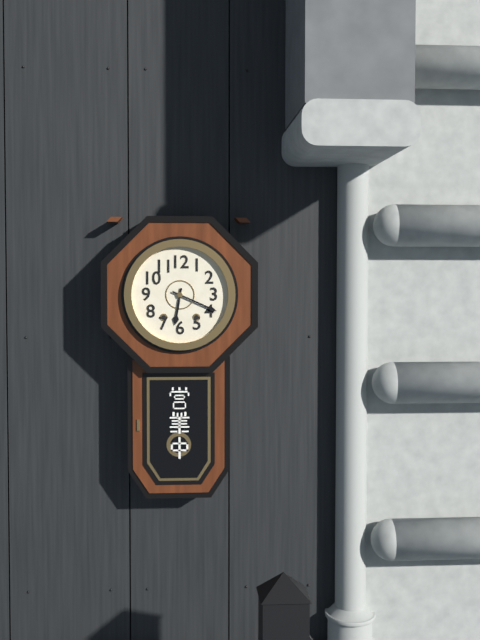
6:19
